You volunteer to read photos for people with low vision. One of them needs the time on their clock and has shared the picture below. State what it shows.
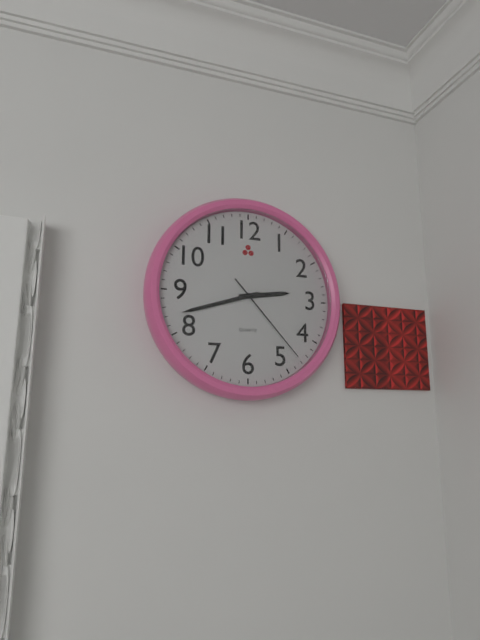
2:42:23
